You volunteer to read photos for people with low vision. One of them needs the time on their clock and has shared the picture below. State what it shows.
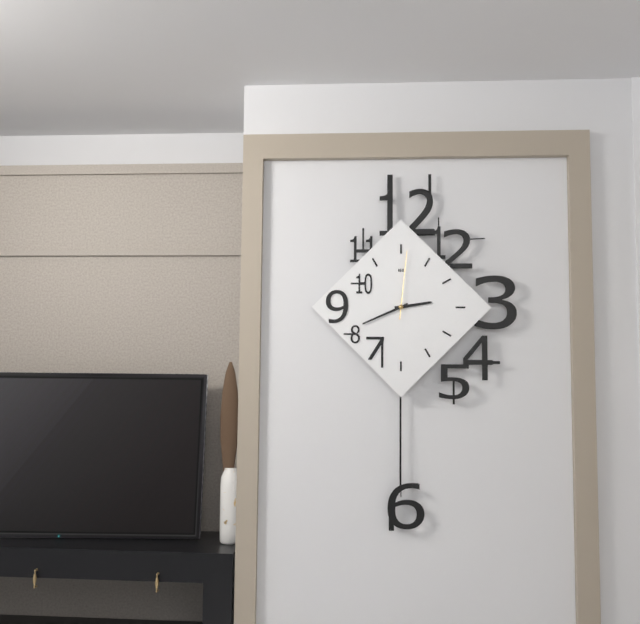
2:41:01
